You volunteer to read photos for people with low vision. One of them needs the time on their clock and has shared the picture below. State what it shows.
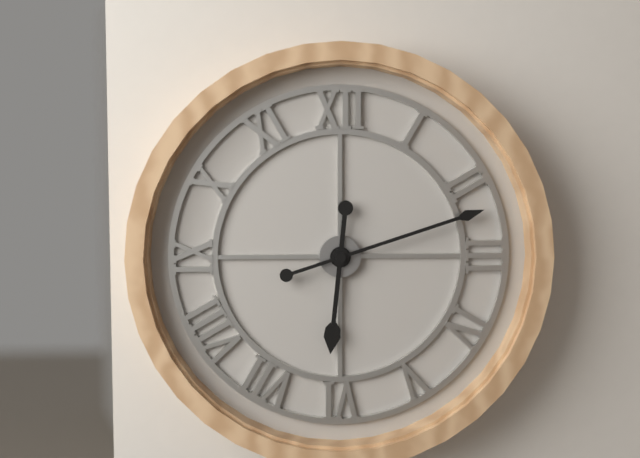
6:12
